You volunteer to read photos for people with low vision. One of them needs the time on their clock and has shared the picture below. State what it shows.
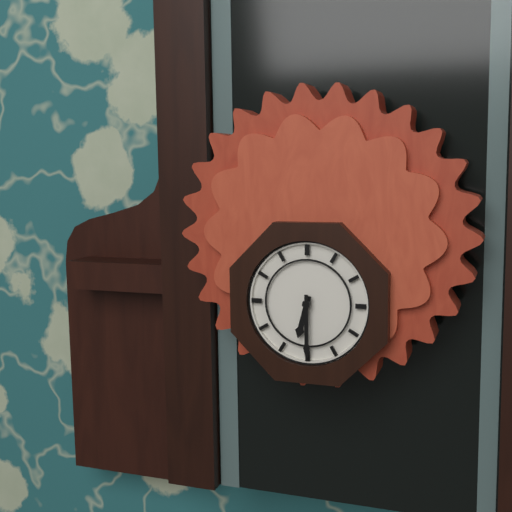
6:30
